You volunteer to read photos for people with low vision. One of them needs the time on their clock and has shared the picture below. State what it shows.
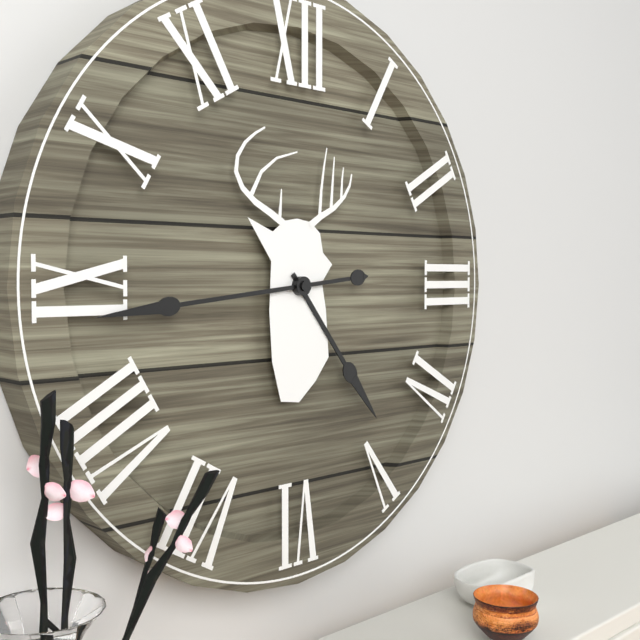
4:44
